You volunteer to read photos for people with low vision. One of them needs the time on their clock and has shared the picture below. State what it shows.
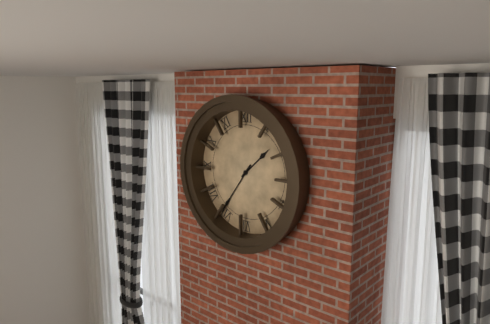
1:36
